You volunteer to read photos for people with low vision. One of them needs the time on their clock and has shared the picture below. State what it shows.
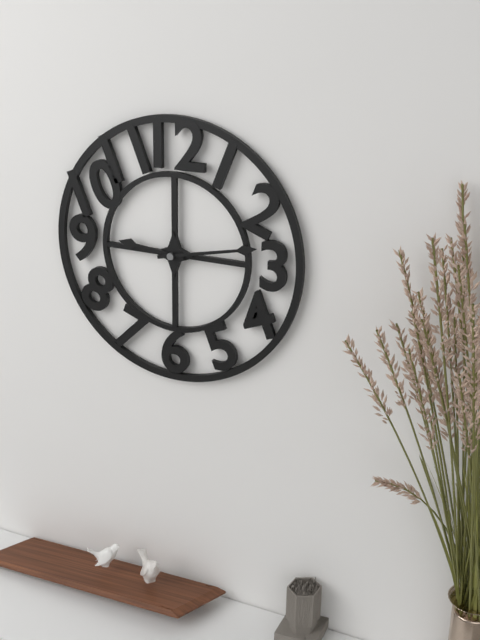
9:13
